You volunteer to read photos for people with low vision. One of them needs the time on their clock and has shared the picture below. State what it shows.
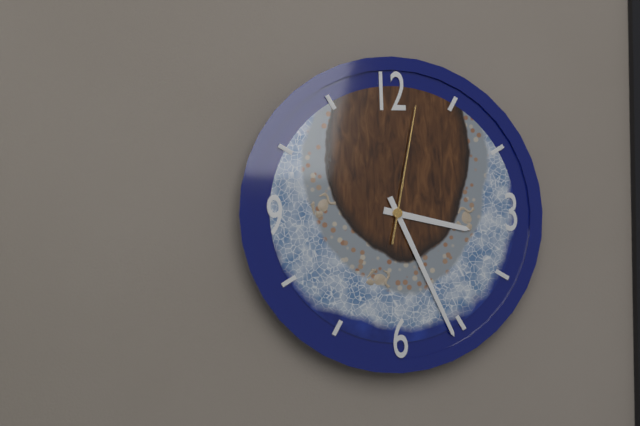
3:26:02
